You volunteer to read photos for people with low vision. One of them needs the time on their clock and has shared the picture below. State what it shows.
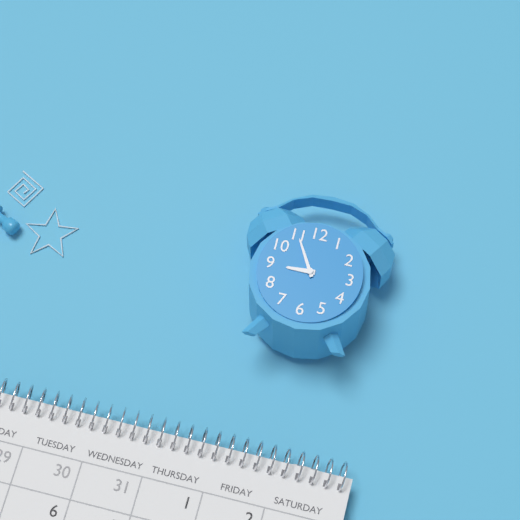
8:55
